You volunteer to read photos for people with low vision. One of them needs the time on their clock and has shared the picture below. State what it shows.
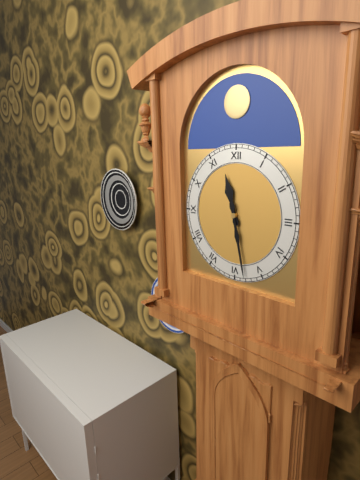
11:28
